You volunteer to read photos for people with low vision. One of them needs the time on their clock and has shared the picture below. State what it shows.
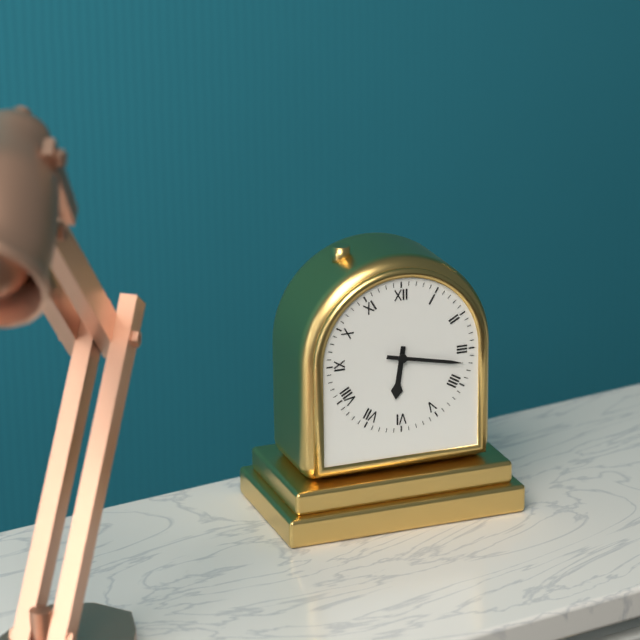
6:17
